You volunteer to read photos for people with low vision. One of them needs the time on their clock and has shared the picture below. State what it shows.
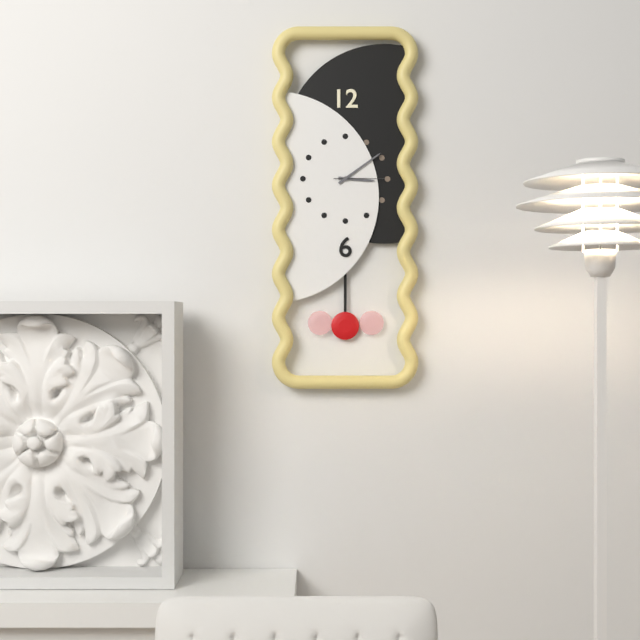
3:09
